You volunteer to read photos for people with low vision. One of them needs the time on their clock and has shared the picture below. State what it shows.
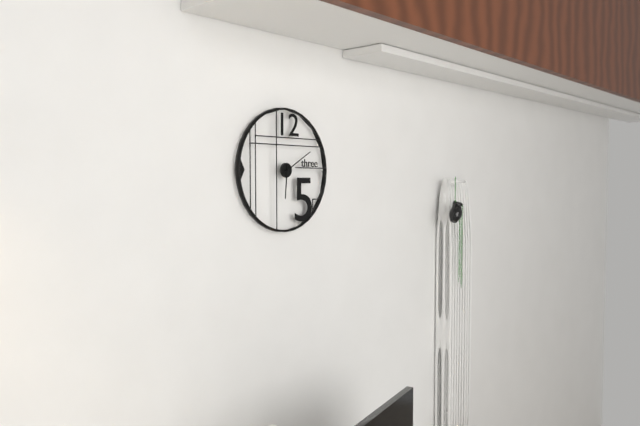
6:10
